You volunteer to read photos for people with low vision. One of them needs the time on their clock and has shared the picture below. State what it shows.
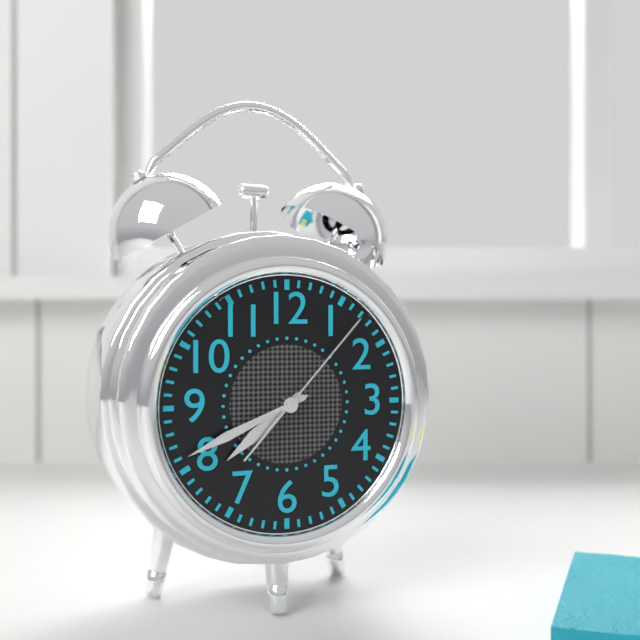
7:41:07
